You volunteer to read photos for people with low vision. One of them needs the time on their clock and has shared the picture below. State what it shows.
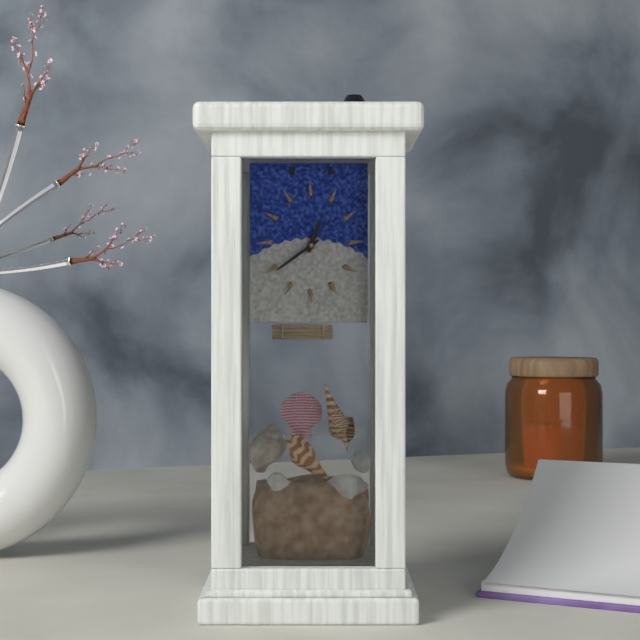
12:39:06
